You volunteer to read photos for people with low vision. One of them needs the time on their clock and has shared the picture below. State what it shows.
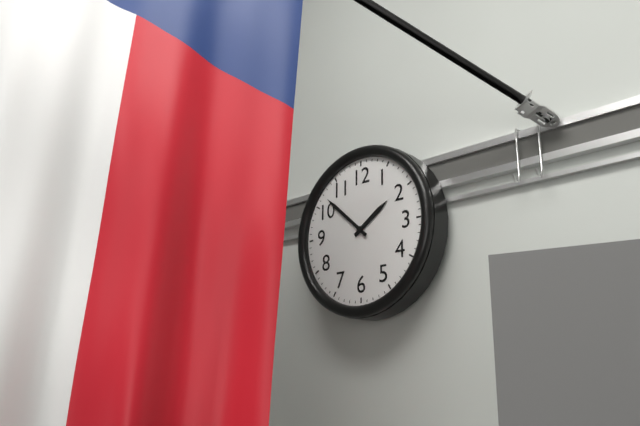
1:52
